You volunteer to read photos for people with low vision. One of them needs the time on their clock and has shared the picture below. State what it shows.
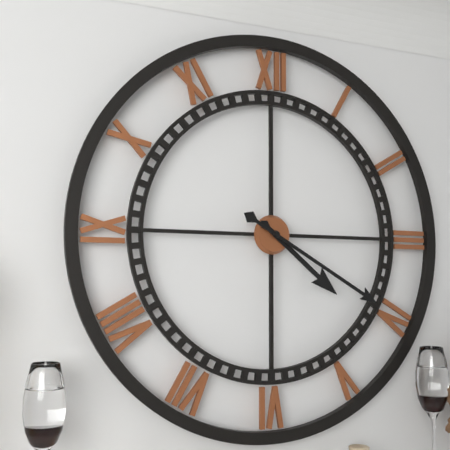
4:20
